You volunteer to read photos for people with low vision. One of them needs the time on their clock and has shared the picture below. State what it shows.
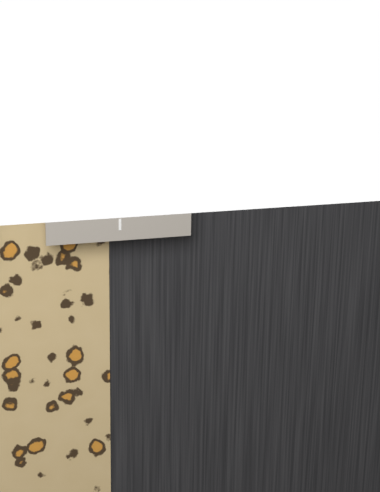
12:00
